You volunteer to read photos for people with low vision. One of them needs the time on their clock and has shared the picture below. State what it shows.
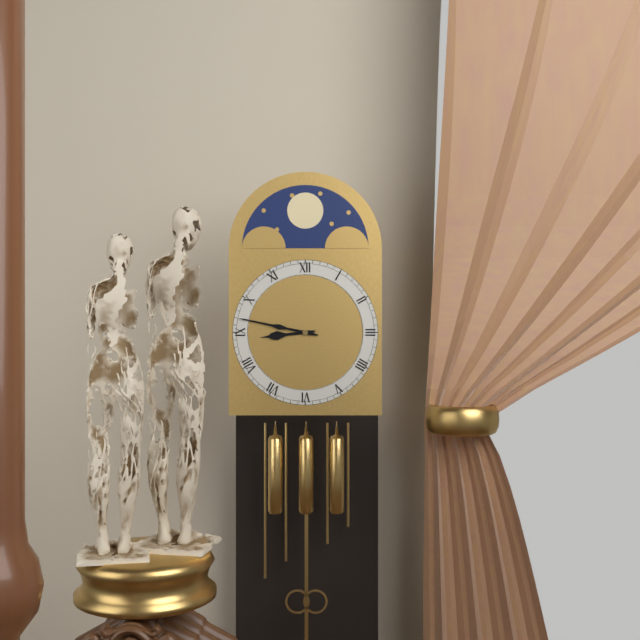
8:47
